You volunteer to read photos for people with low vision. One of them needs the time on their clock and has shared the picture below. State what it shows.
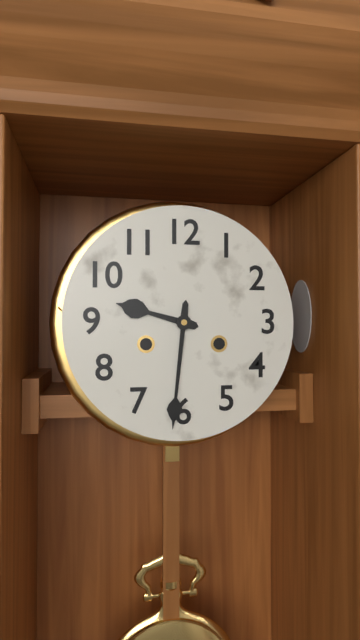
9:31
